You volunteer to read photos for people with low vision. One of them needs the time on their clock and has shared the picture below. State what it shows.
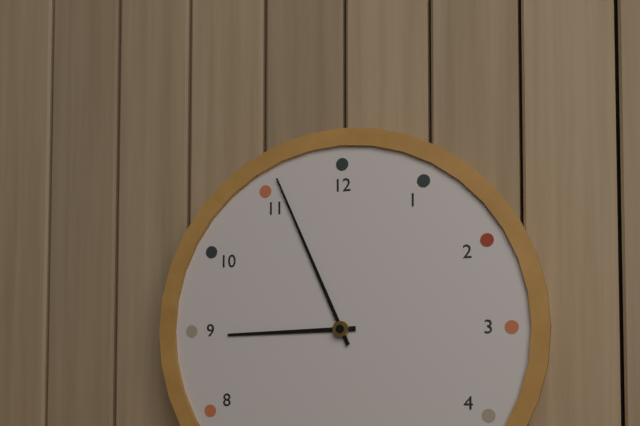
8:56
